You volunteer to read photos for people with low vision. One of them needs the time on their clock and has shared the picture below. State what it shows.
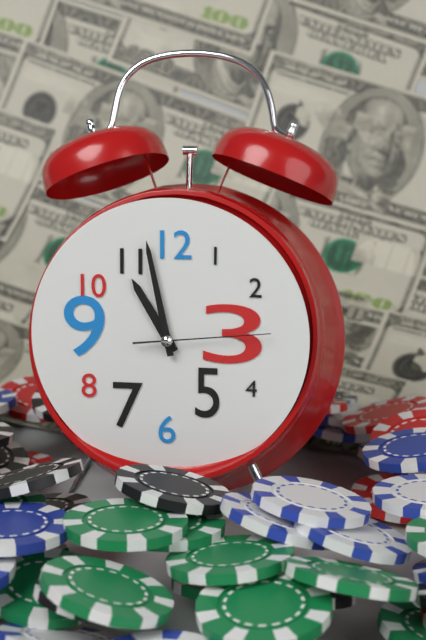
10:58:14
